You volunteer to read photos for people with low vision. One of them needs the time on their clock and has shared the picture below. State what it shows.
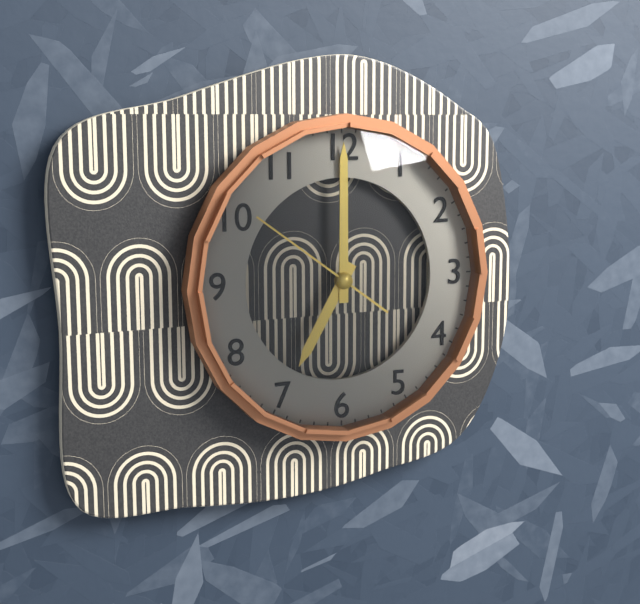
7:00:51
